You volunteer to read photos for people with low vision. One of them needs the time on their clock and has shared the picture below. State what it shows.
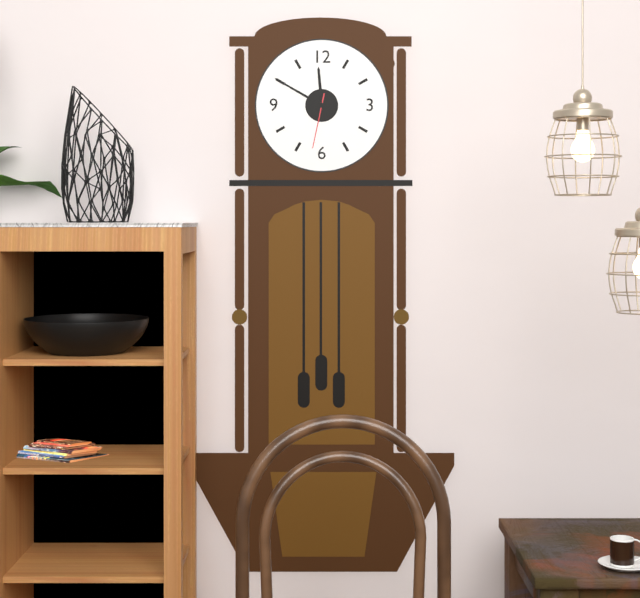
11:50:32
